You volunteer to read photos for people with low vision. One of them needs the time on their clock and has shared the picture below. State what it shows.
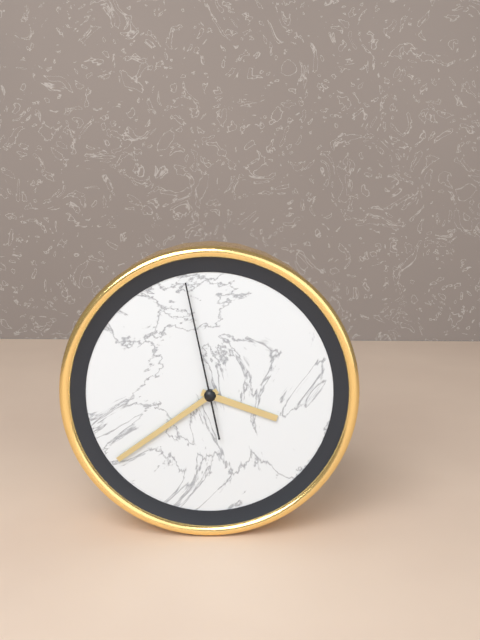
3:39:58
